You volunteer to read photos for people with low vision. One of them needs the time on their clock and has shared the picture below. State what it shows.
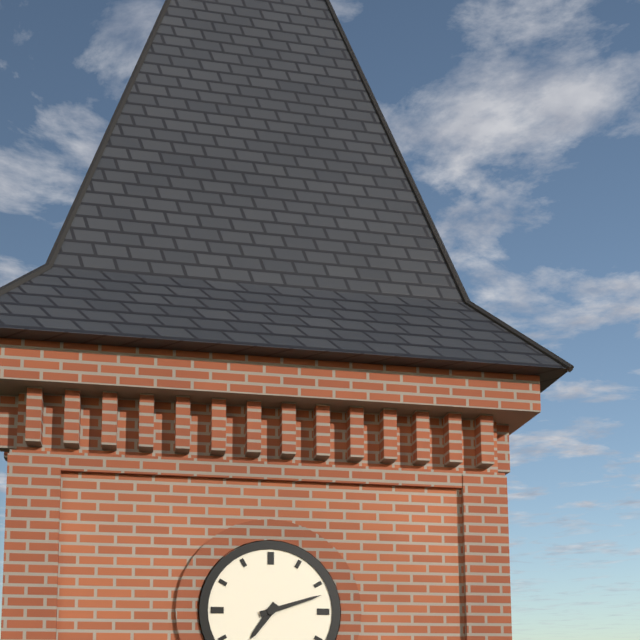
7:12
